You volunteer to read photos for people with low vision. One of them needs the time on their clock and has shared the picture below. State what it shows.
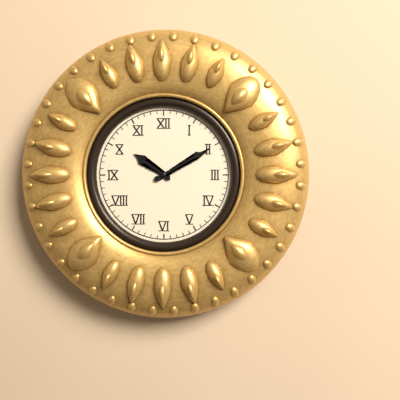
10:10
